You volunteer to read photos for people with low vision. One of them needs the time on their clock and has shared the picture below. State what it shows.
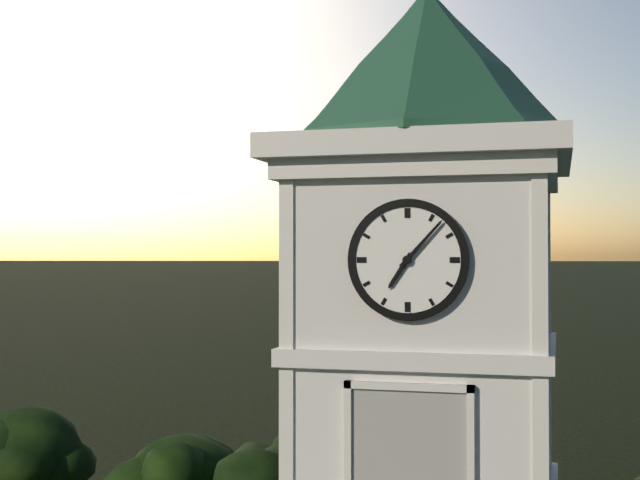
7:07
